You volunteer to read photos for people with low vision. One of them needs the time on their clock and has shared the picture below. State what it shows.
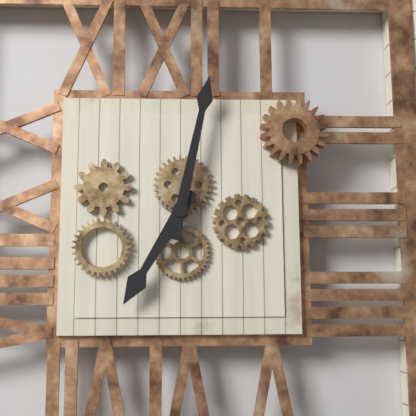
7:02
